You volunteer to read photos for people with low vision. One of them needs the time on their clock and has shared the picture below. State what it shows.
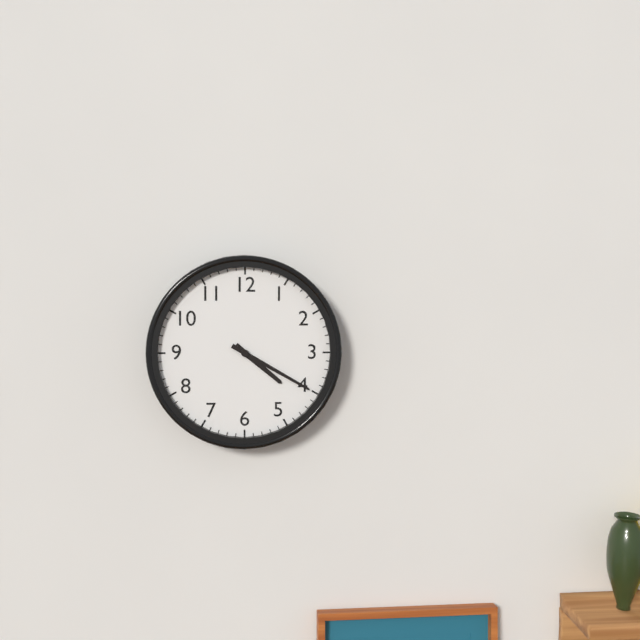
4:20
